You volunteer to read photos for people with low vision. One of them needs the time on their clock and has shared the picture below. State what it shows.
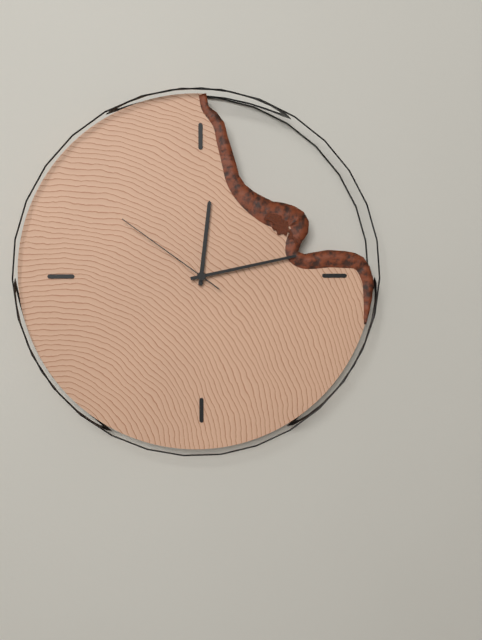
12:13:51
